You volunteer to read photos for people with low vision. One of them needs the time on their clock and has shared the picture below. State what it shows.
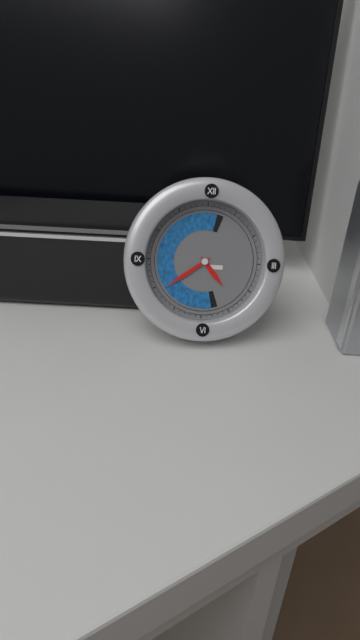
4:39
